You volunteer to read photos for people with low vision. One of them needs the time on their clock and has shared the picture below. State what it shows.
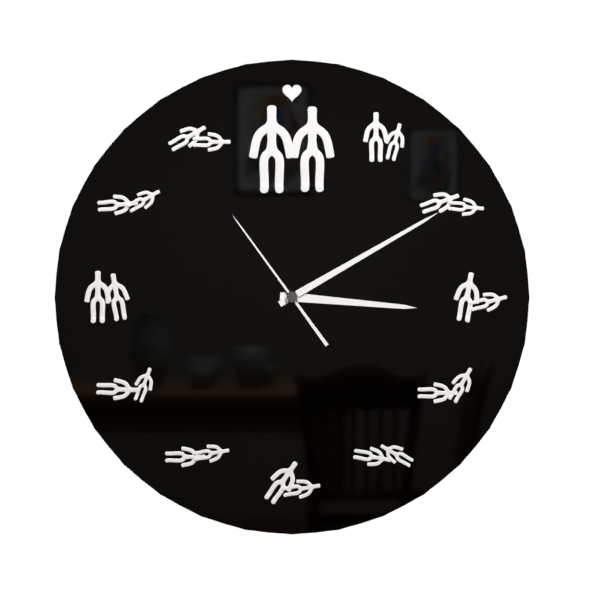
3:10:54
